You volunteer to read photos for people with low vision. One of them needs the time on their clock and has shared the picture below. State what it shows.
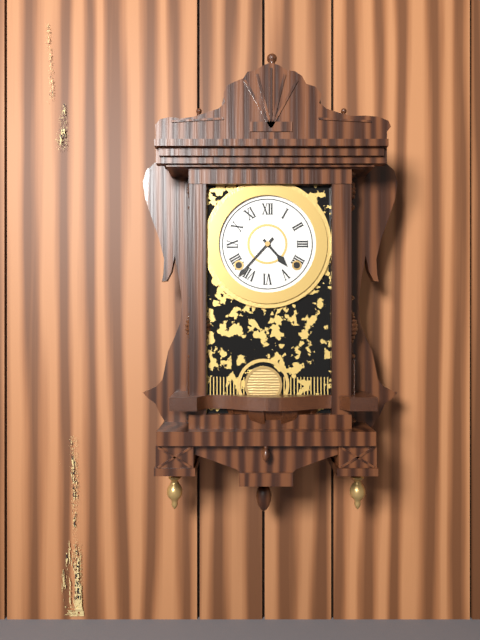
4:37
